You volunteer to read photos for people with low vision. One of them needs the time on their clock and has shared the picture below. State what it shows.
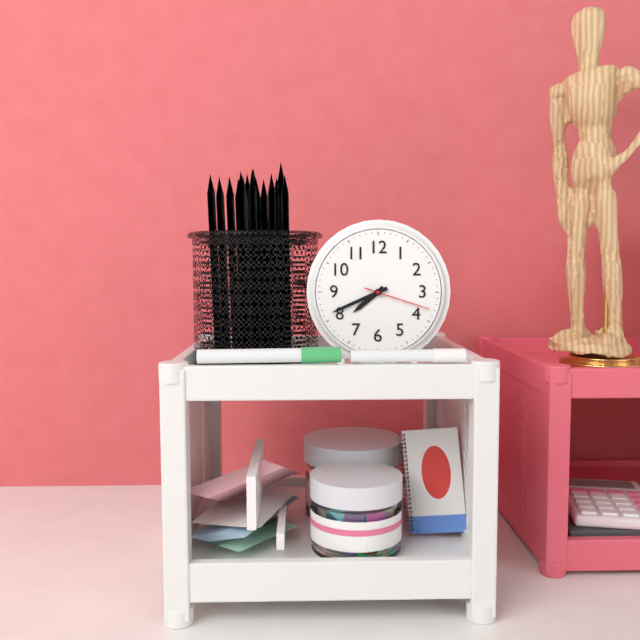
7:41:18
